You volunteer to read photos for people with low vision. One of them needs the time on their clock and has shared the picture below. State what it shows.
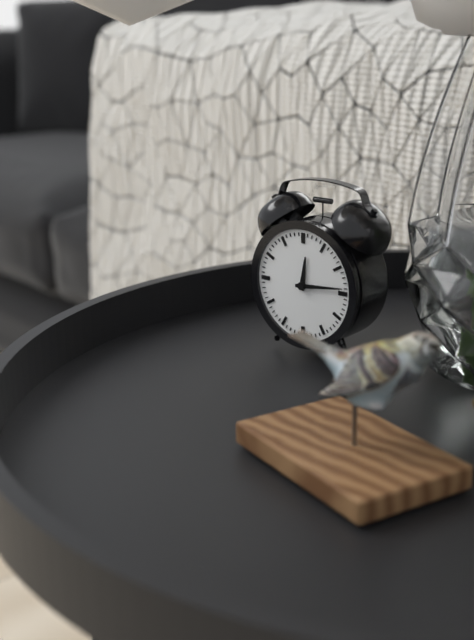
12:14
